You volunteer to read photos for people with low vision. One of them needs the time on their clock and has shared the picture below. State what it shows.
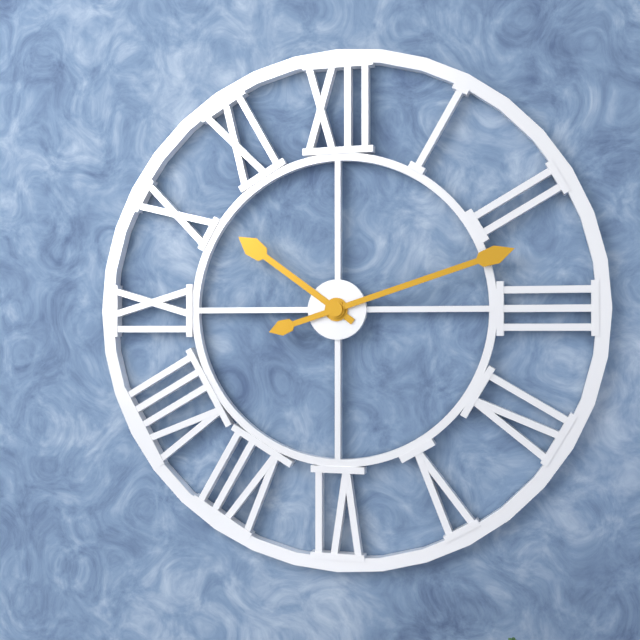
10:12
